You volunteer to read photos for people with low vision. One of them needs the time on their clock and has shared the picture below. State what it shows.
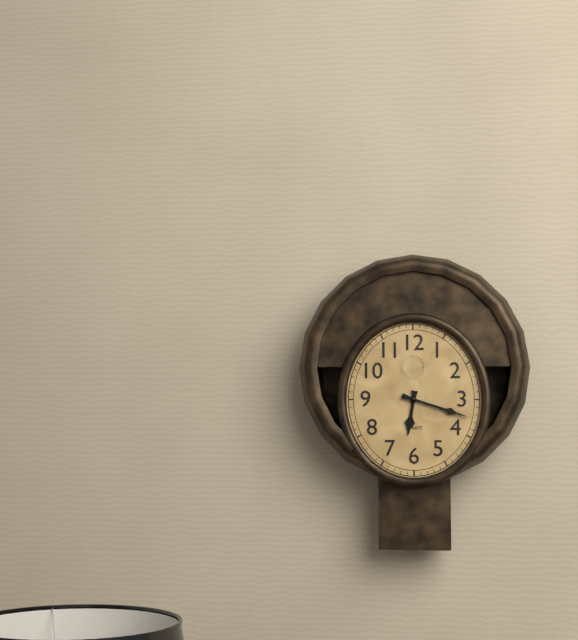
6:18
